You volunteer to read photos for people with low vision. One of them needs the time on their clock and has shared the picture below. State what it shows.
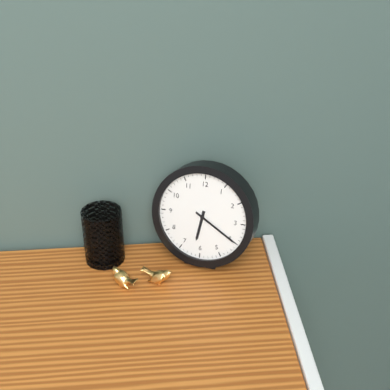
6:20
